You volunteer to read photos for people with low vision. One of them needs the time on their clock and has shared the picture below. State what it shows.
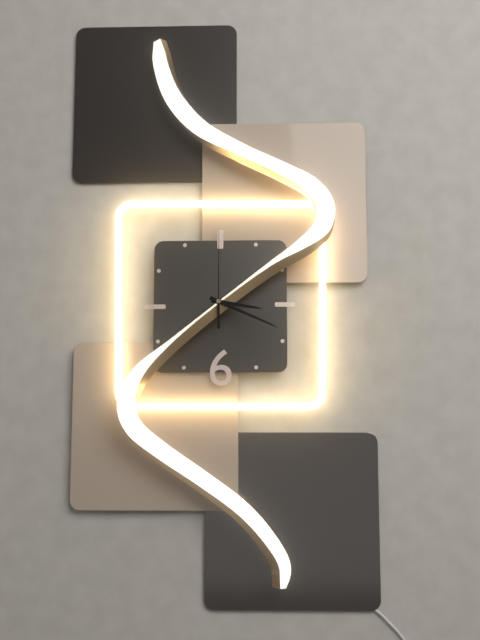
3:19:00
